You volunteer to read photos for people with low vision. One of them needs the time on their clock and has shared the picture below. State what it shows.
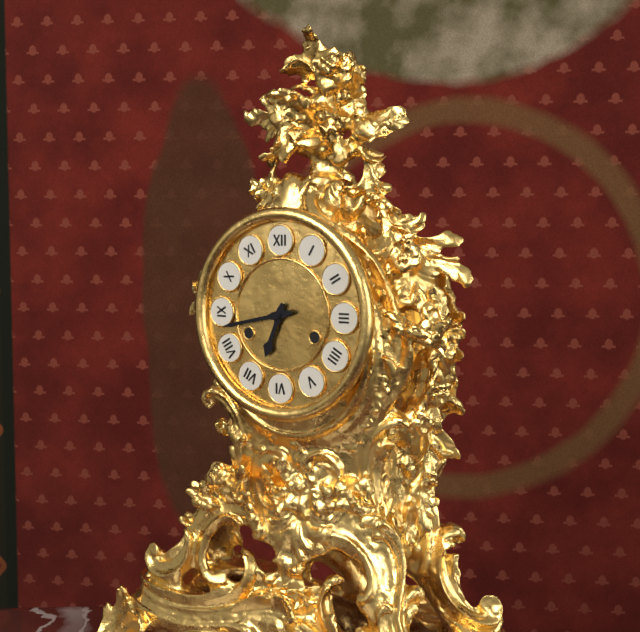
6:43
